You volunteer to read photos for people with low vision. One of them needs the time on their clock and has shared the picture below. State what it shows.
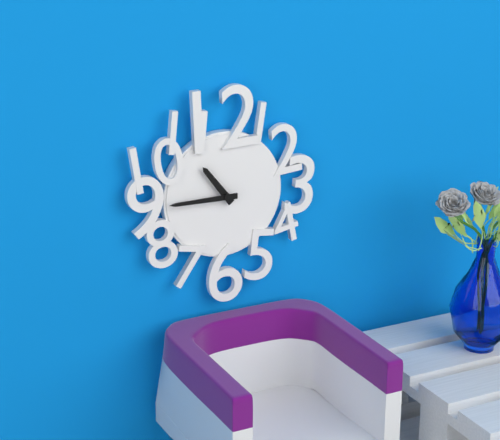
10:45
